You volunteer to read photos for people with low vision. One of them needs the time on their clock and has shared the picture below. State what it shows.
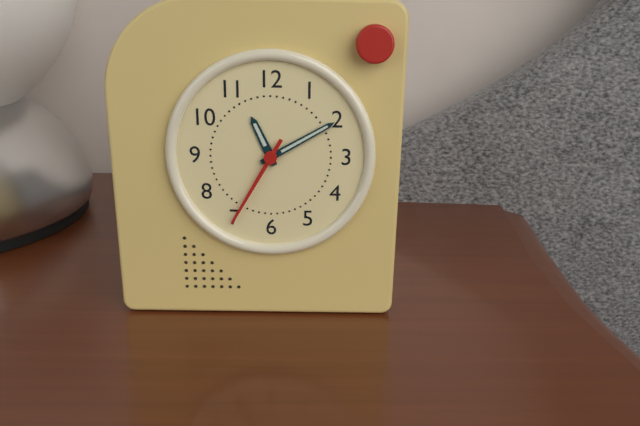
11:10:35
